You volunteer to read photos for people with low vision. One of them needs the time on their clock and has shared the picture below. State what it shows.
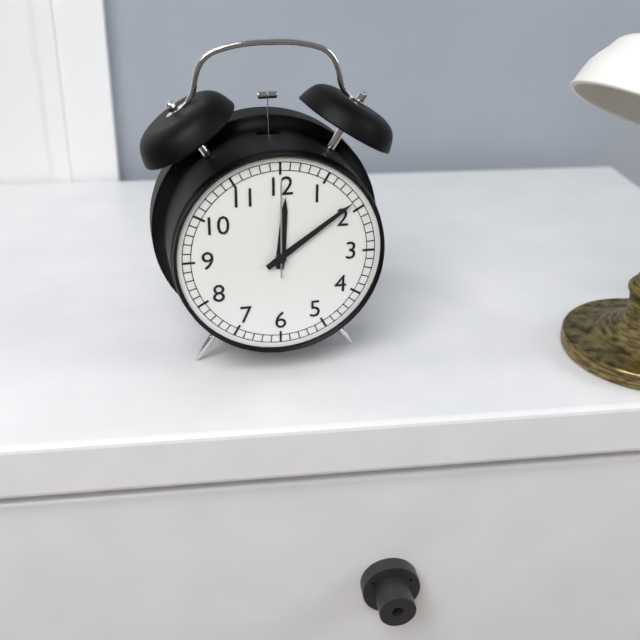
12:09:00
